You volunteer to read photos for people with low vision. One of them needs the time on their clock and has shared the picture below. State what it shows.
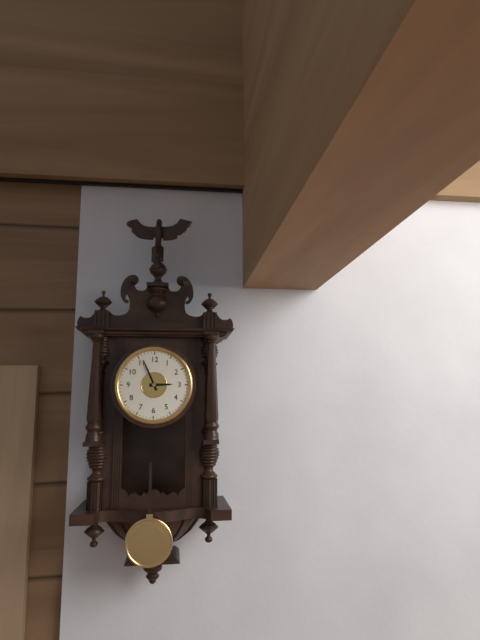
2:56
